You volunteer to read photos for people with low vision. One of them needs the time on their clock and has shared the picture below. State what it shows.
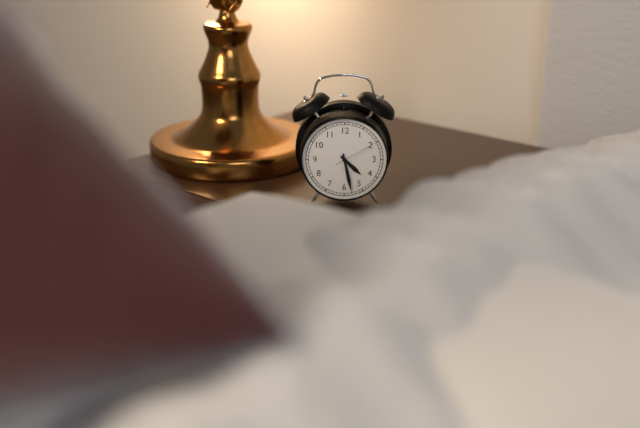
4:28
